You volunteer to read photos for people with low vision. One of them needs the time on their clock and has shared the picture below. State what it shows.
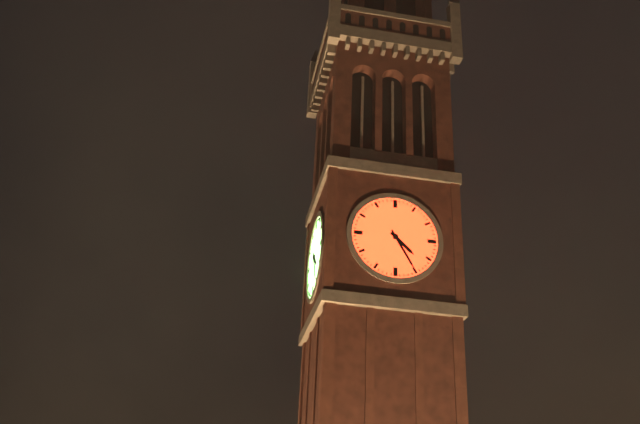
4:25
